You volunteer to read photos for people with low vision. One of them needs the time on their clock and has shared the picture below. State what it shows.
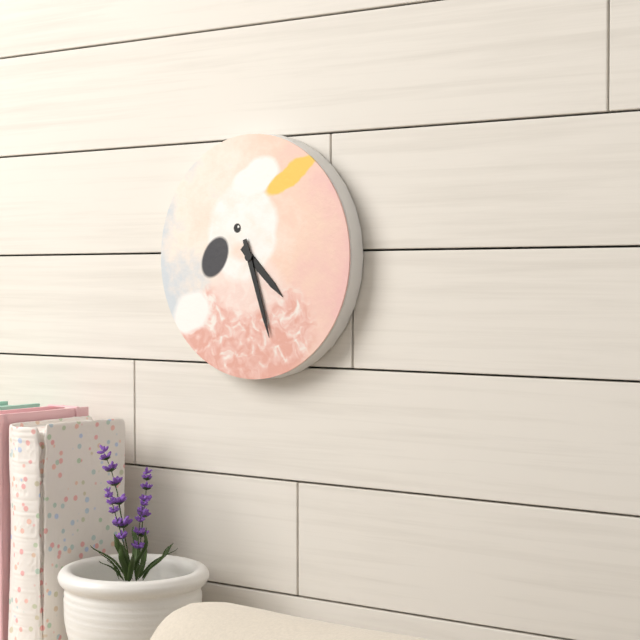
4:27
